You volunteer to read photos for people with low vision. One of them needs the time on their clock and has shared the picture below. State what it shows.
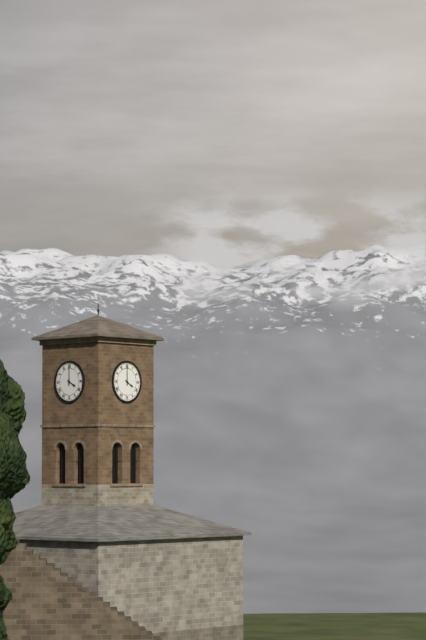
4:00
